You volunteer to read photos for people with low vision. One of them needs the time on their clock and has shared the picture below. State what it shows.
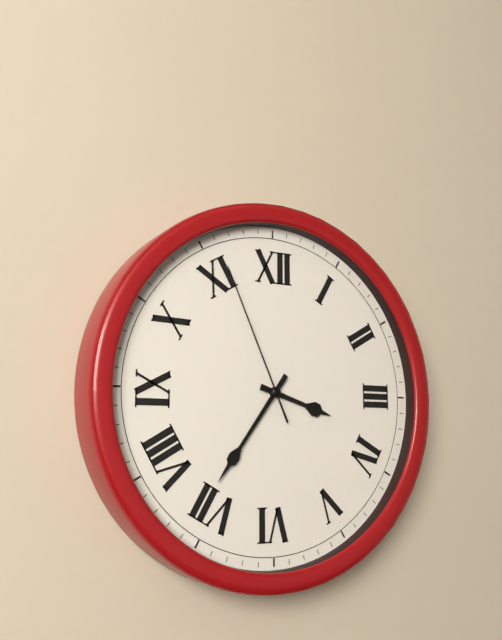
3:36:56
